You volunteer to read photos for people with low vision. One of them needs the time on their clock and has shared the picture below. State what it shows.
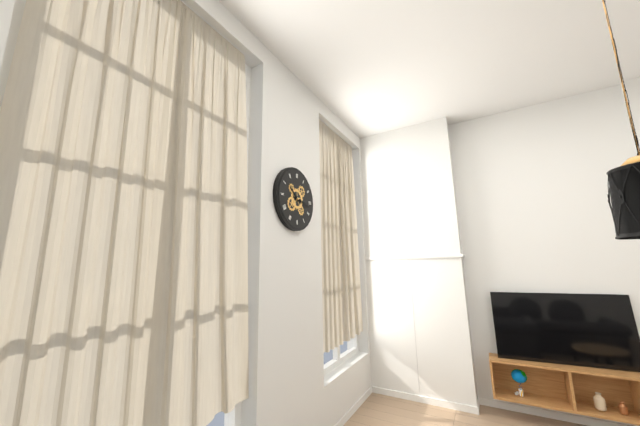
10:17
